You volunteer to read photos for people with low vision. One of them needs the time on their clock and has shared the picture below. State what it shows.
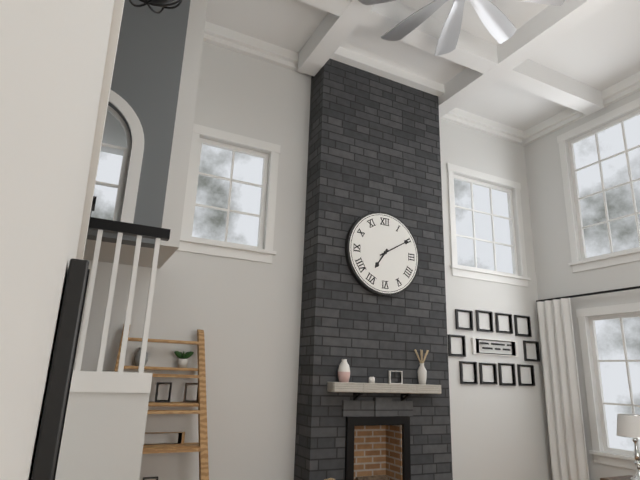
7:10
